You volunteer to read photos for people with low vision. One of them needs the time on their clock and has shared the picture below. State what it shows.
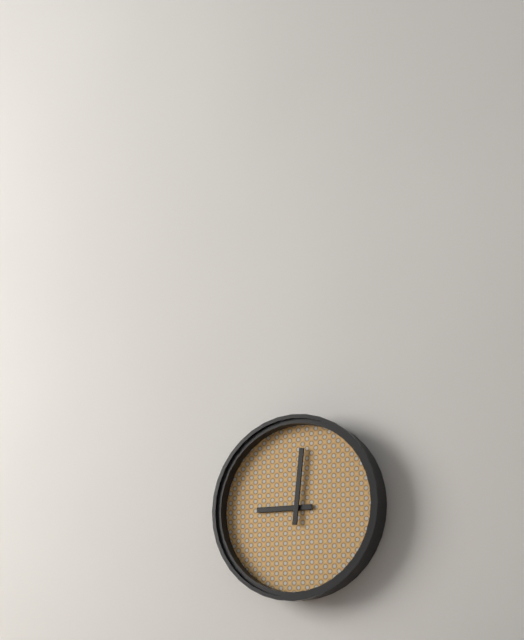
9:01
